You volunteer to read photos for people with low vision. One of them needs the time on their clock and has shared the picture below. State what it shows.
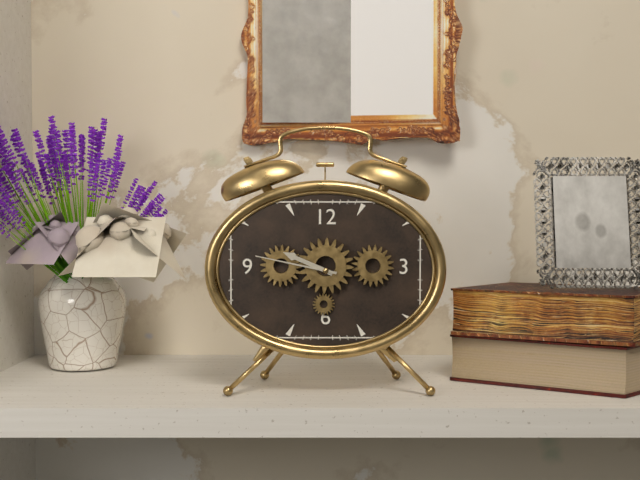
9:47
